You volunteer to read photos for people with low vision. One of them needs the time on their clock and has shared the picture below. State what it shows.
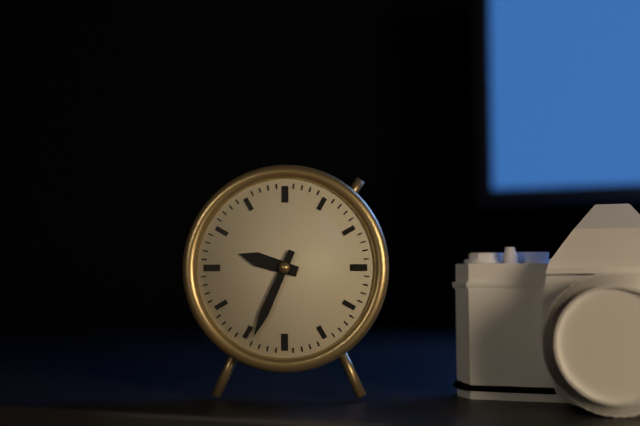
9:34
